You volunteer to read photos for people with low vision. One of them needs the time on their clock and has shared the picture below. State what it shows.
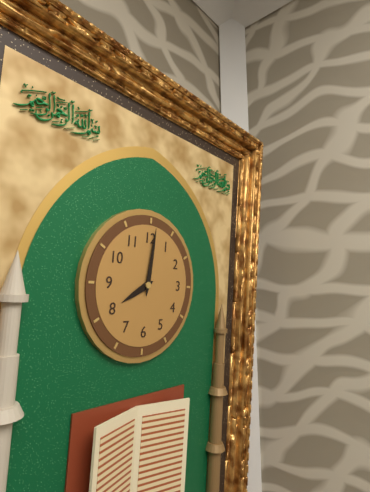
8:01
